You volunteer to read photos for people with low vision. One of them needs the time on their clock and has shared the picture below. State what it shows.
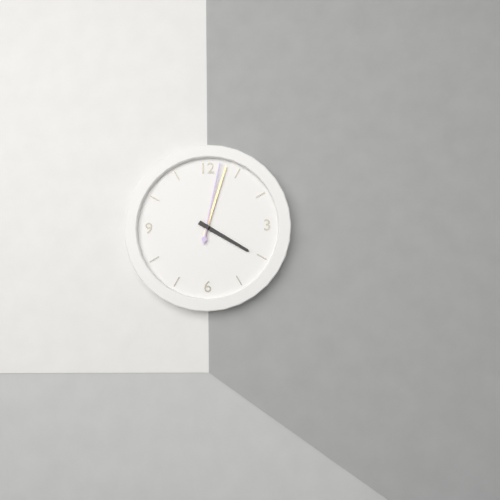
4:03:02
